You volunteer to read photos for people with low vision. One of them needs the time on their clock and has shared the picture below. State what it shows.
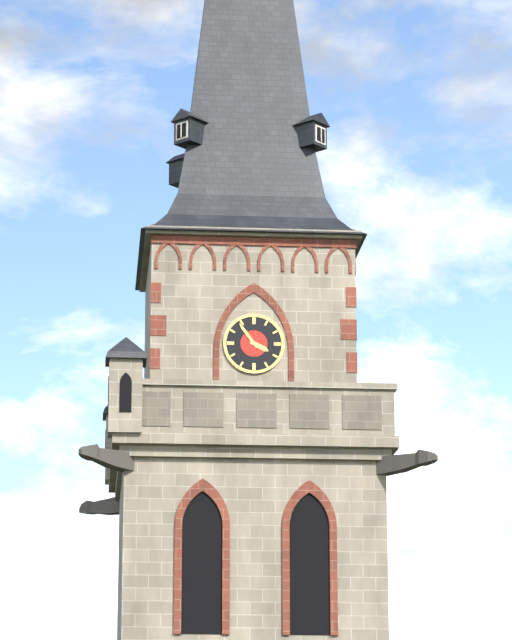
3:54
